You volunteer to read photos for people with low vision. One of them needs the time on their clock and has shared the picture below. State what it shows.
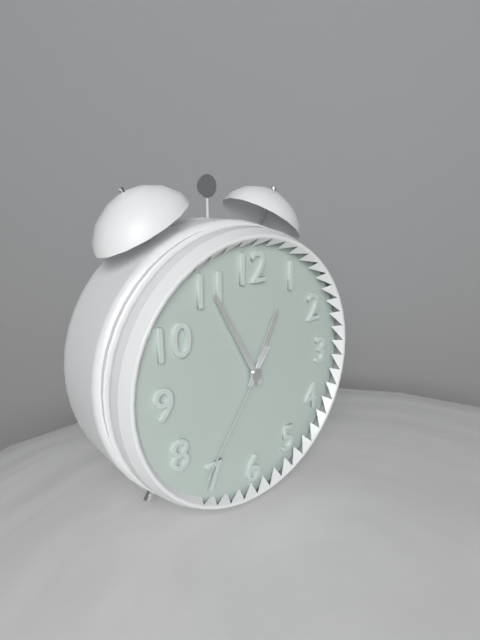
12:55:36
